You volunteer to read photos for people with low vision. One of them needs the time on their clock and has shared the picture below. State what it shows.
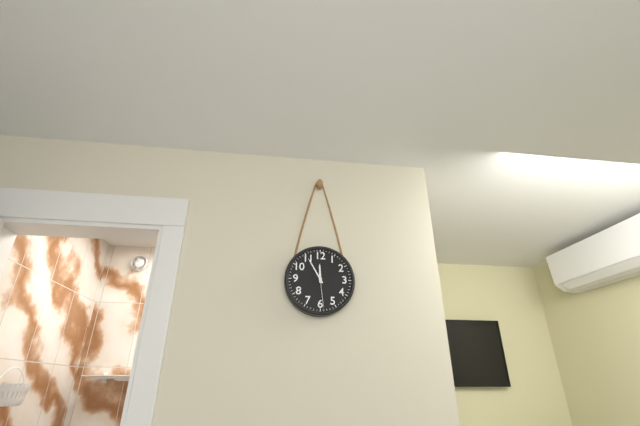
11:55
